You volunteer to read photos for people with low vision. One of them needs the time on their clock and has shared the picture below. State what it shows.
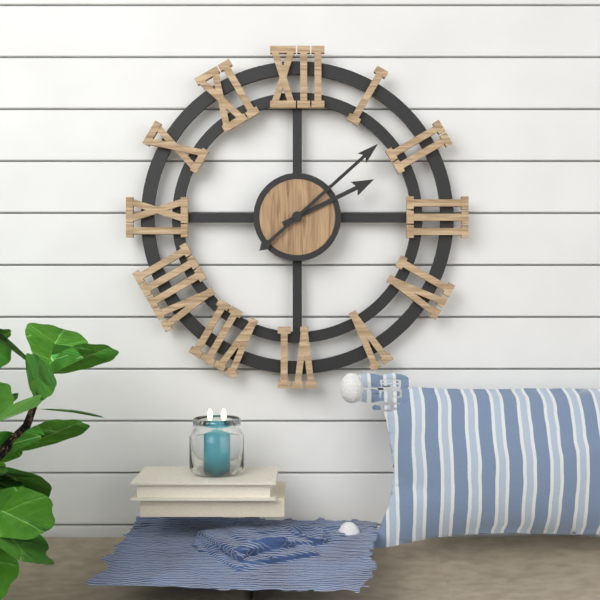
2:08
